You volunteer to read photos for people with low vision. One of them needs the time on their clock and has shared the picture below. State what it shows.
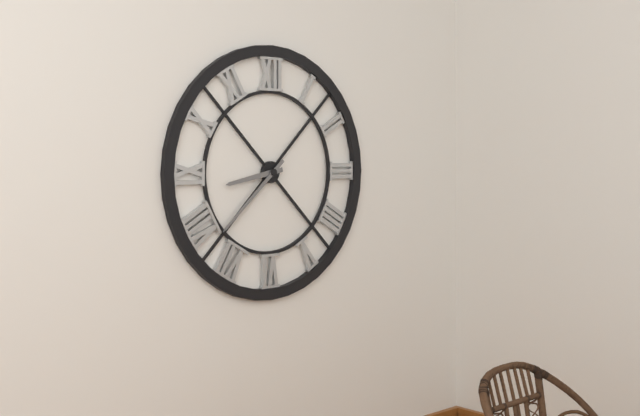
8:38
